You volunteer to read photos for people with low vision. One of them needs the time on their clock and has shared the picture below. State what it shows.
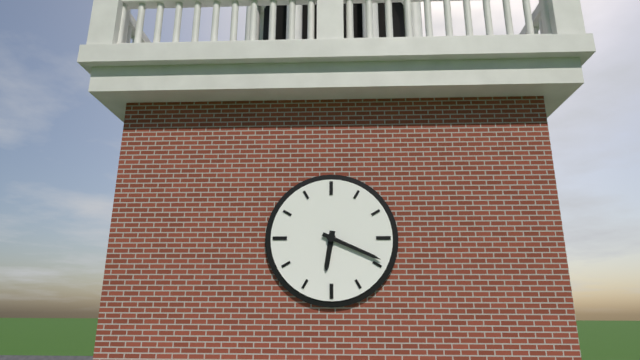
6:19
